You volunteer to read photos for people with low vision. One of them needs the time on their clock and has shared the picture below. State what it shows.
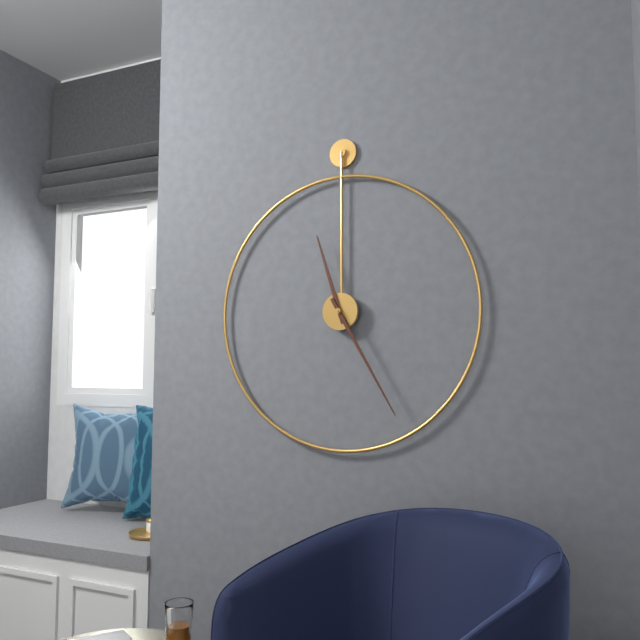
11:25
